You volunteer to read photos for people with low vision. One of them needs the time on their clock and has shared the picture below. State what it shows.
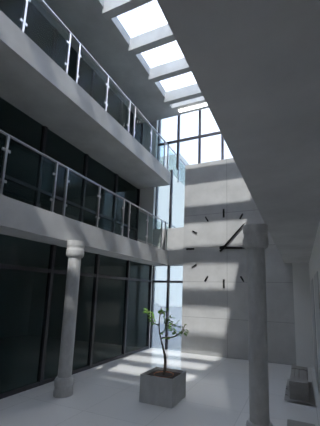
3:07
